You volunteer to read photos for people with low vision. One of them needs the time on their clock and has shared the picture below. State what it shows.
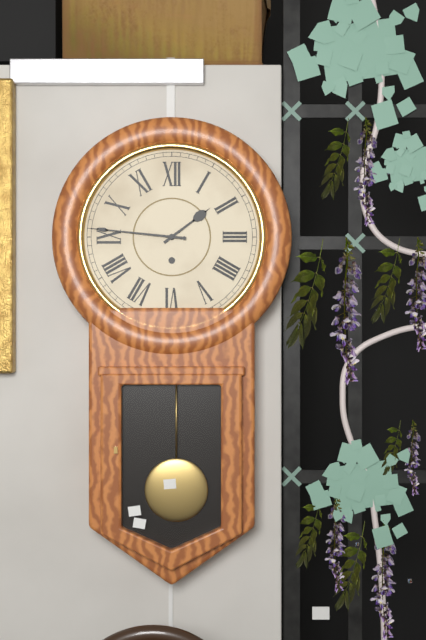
1:46
